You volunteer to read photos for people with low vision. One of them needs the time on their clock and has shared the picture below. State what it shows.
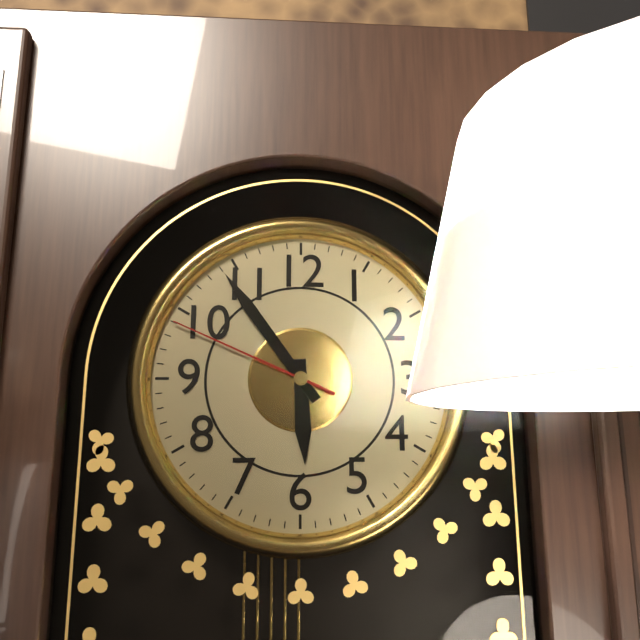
5:54:49
